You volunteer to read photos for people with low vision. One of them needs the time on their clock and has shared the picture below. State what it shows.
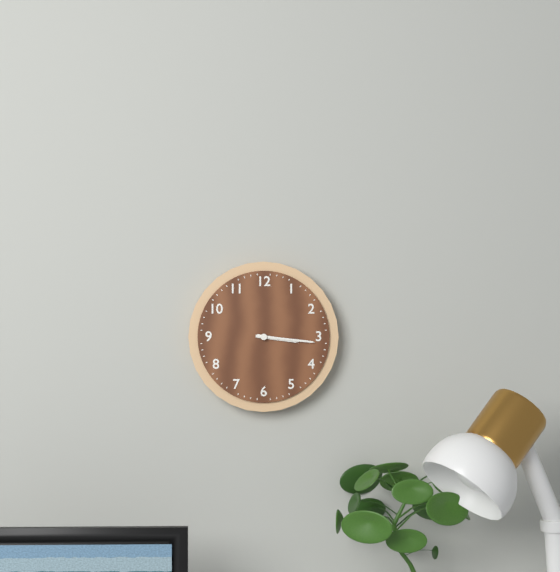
3:16
